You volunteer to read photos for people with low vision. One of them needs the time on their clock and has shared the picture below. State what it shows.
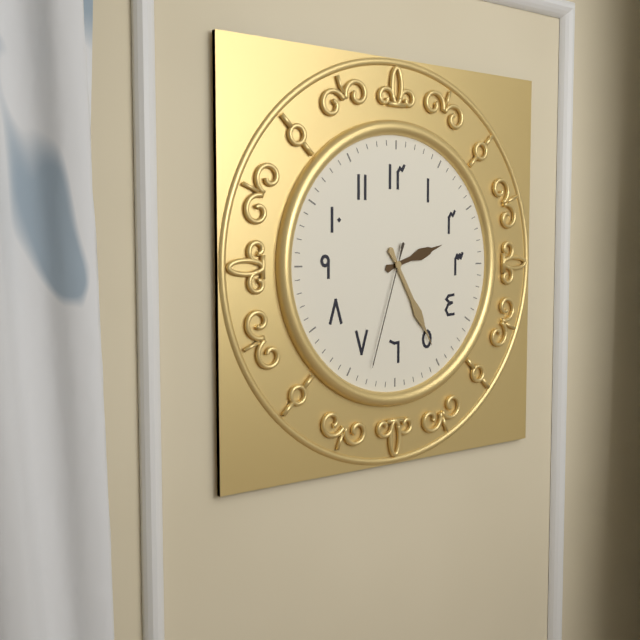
2:25:33
